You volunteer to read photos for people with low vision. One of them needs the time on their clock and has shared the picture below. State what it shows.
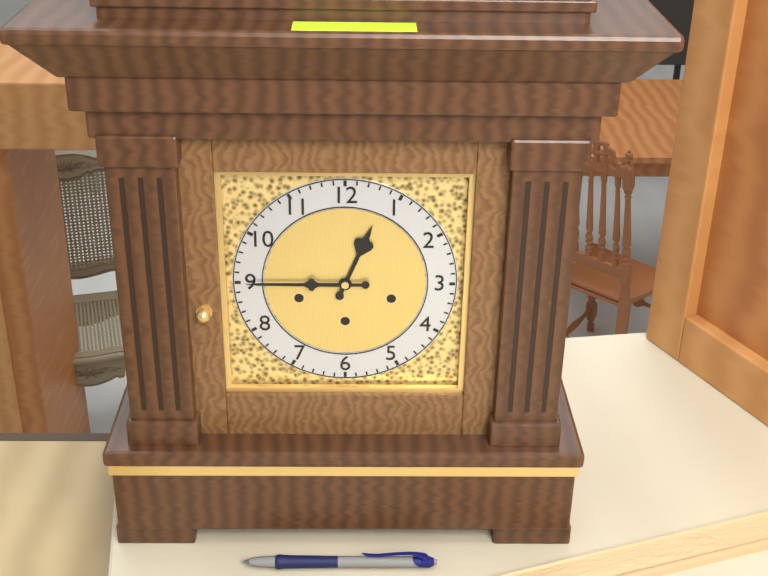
12:45
